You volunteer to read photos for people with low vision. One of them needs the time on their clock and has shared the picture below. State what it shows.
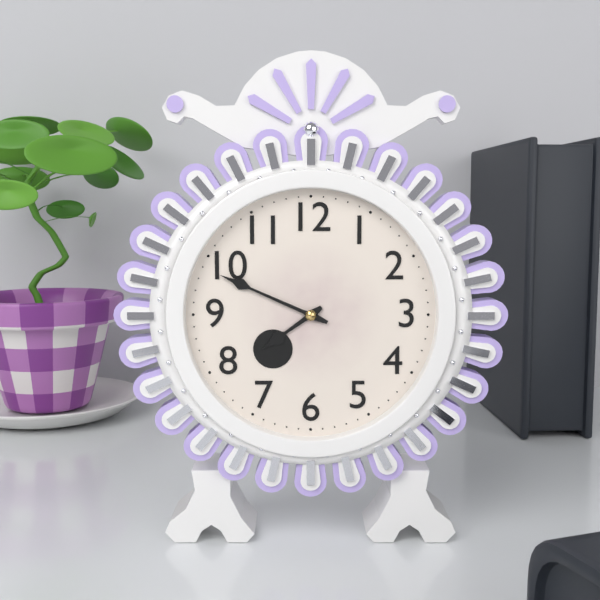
7:49
